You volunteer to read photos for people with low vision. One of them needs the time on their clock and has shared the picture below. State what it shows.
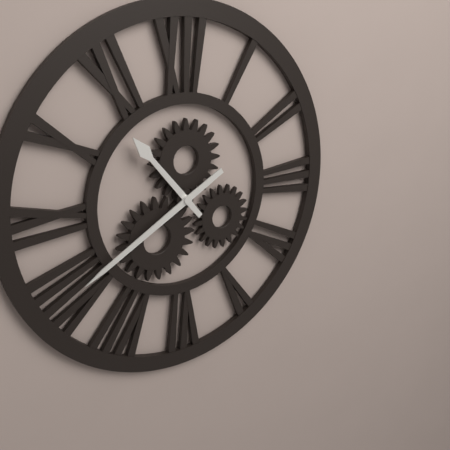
10:40
